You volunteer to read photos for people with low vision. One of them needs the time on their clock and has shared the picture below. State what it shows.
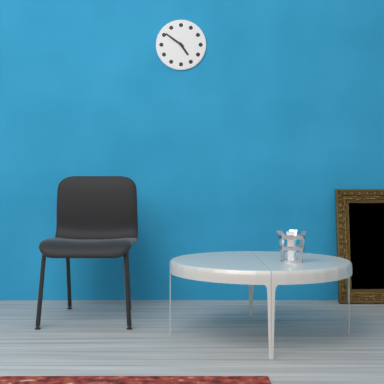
4:51
